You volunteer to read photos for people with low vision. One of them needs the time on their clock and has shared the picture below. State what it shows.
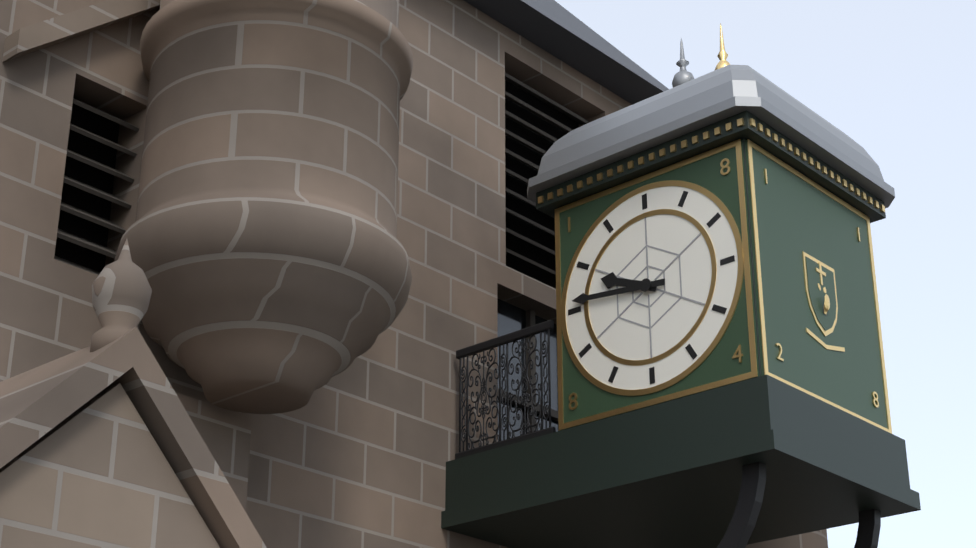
9:46
